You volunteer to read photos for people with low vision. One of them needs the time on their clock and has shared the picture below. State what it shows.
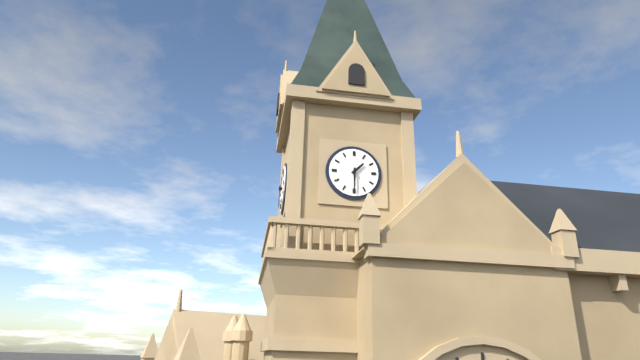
1:30
